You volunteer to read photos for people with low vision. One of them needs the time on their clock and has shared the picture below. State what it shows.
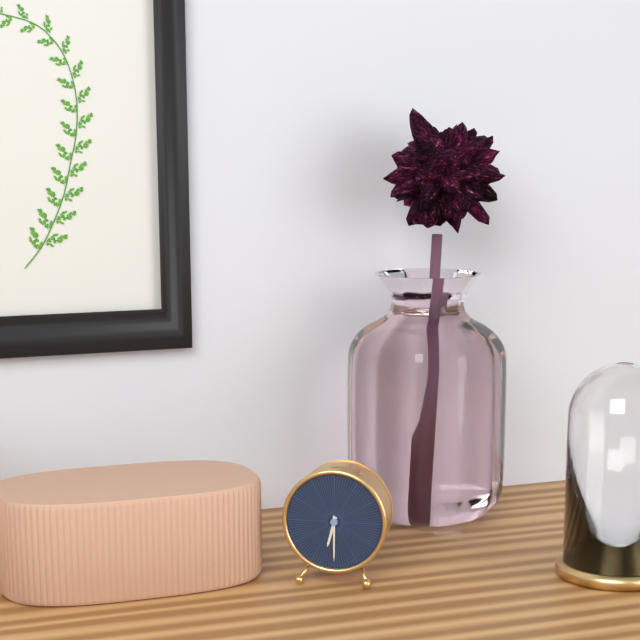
6:30
